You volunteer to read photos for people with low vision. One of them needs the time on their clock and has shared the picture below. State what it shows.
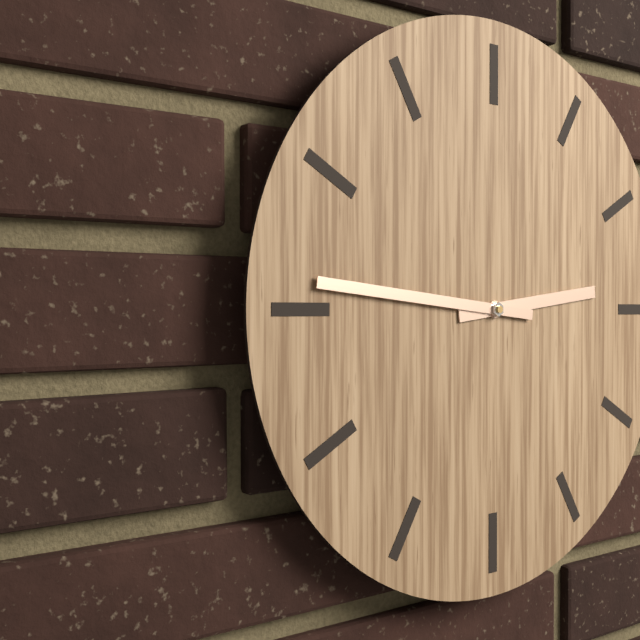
2:46
